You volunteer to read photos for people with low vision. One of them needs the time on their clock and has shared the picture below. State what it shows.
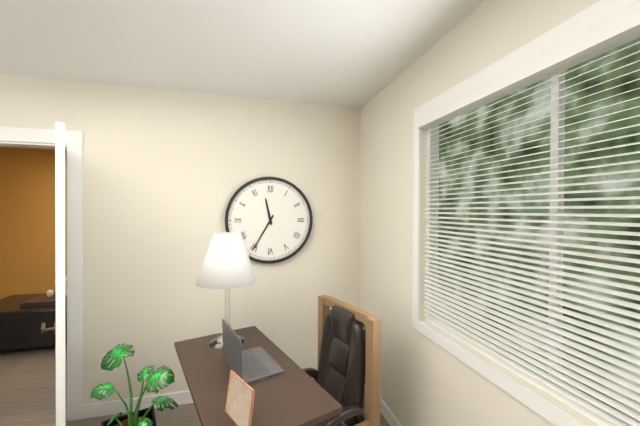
11:35
